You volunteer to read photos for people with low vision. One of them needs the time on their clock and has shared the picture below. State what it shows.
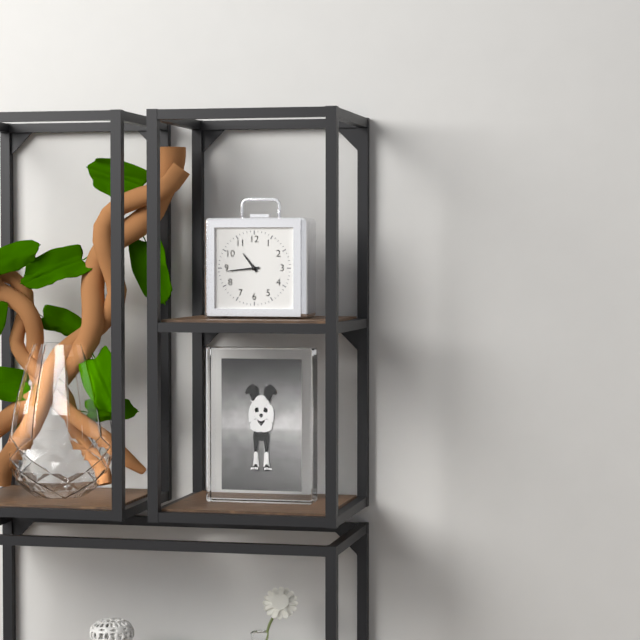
10:44
